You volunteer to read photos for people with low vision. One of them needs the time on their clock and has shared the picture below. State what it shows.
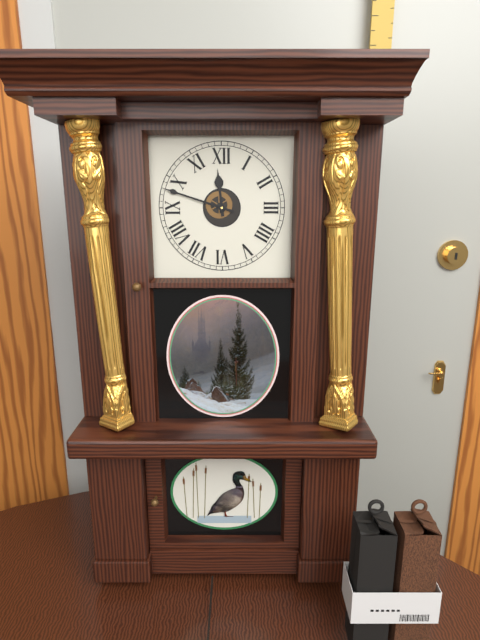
11:48
